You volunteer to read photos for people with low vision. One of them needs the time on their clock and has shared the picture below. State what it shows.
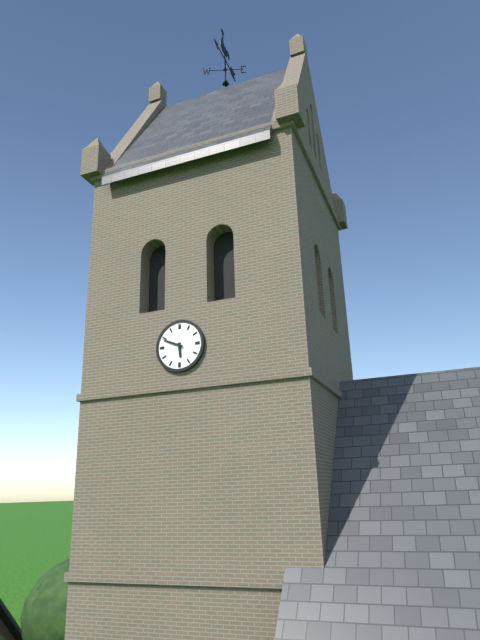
5:49
